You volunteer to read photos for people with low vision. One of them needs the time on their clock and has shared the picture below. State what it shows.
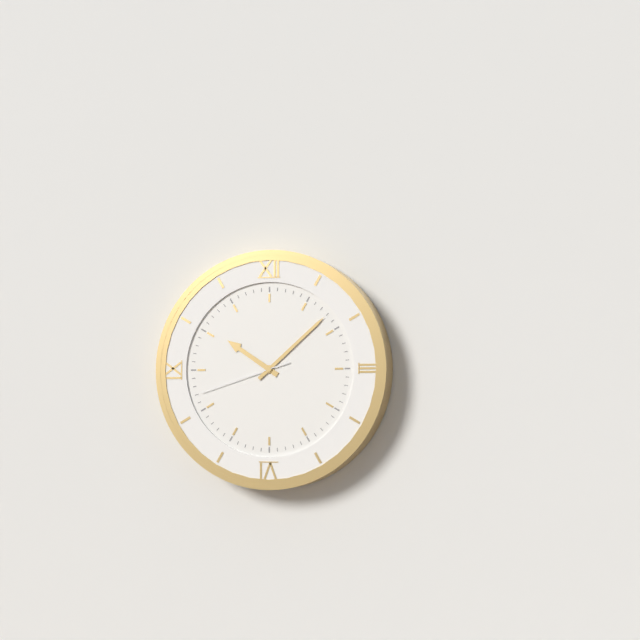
10:08:42
